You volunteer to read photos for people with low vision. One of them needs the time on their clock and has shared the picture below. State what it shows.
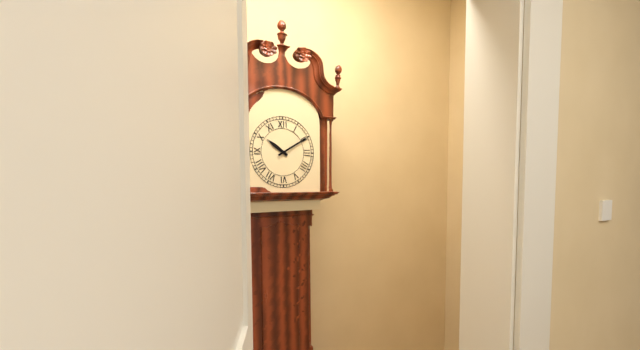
10:10
